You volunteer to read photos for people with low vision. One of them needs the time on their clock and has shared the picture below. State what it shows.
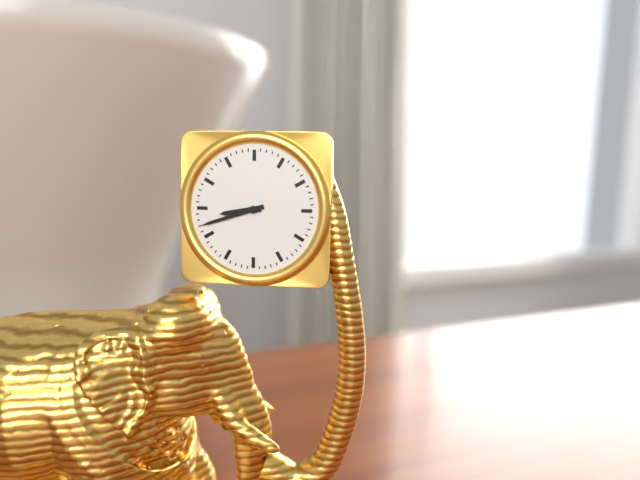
8:42
